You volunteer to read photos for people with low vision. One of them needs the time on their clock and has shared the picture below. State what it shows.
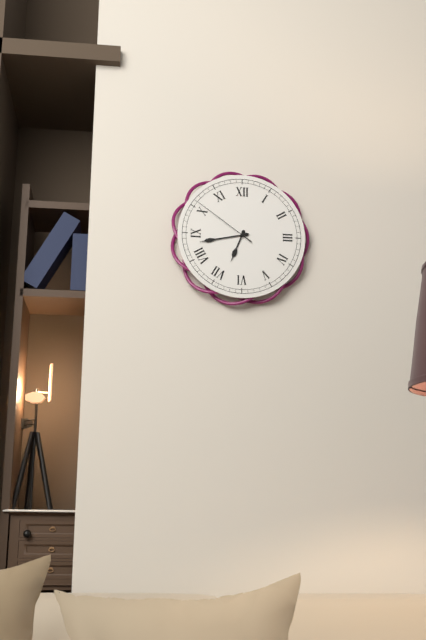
6:43:51
